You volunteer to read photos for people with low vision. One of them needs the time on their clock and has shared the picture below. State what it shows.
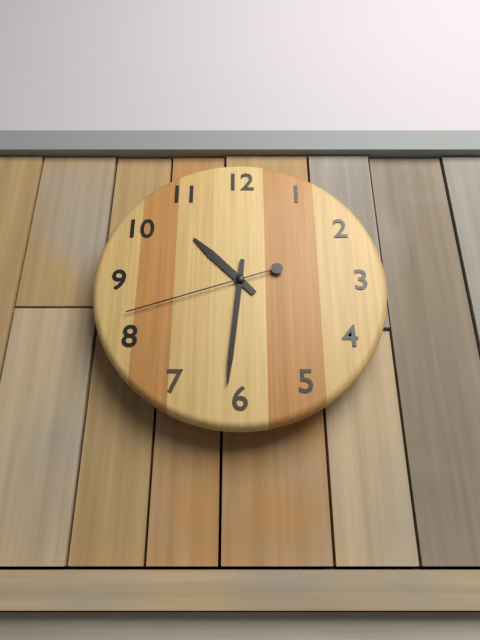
10:31:42
